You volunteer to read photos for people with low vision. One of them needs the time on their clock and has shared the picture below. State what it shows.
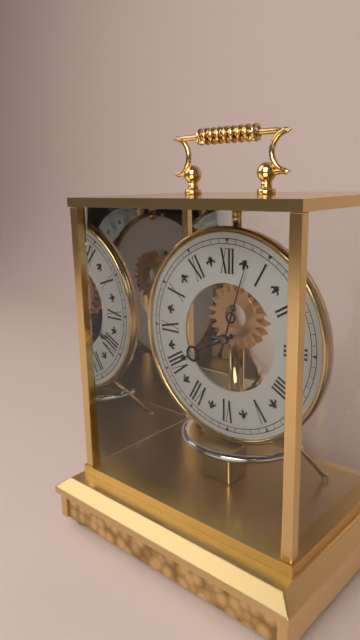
8:03
